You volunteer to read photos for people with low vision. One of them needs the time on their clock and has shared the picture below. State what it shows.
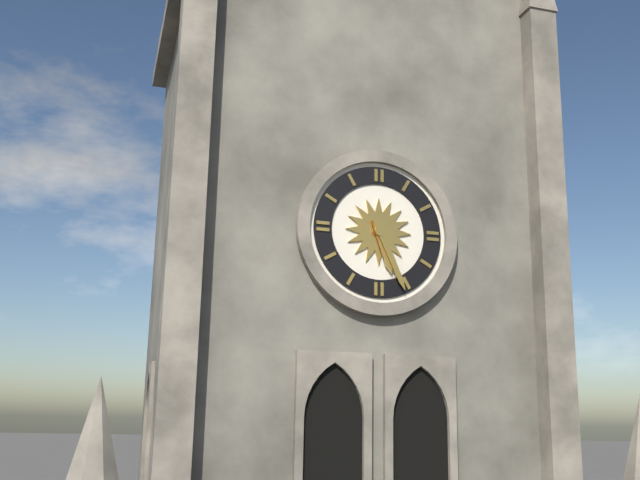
5:26
